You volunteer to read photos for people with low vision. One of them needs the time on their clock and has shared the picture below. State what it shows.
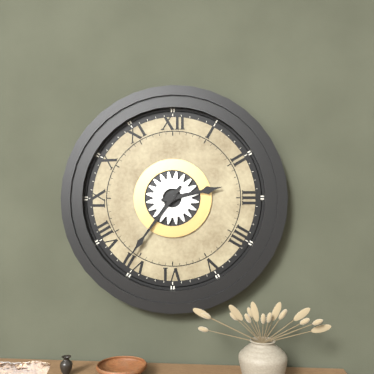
2:36
